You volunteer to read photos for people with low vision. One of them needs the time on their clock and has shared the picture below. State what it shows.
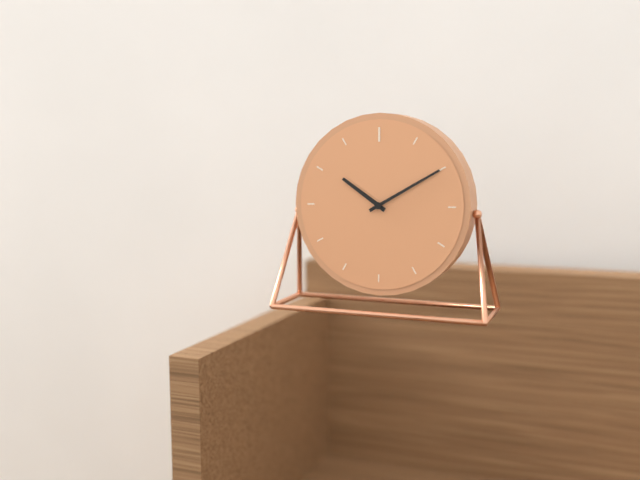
10:10
